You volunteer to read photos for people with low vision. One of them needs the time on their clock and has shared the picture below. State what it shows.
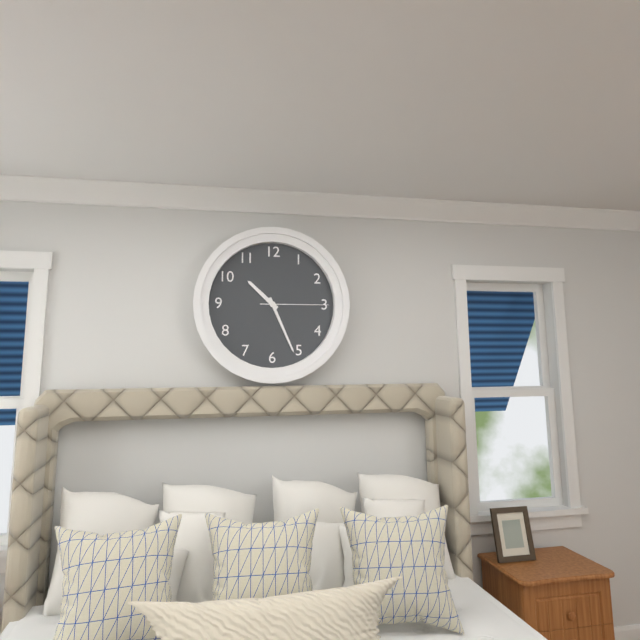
10:26:15
